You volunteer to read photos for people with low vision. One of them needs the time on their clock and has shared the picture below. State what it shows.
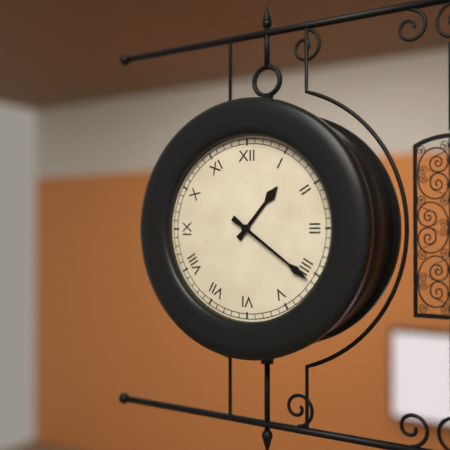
1:21
